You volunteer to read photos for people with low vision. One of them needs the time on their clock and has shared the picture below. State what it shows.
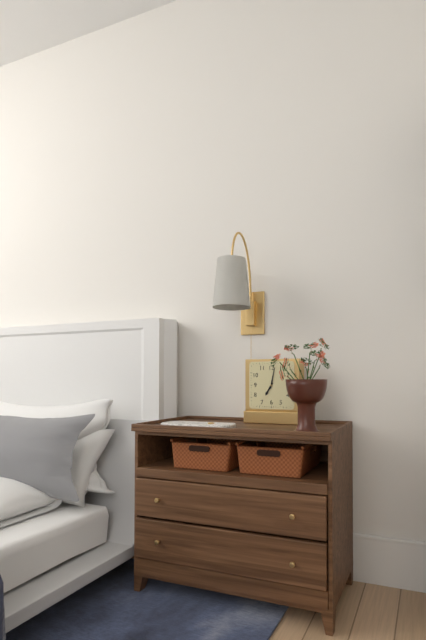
7:02
